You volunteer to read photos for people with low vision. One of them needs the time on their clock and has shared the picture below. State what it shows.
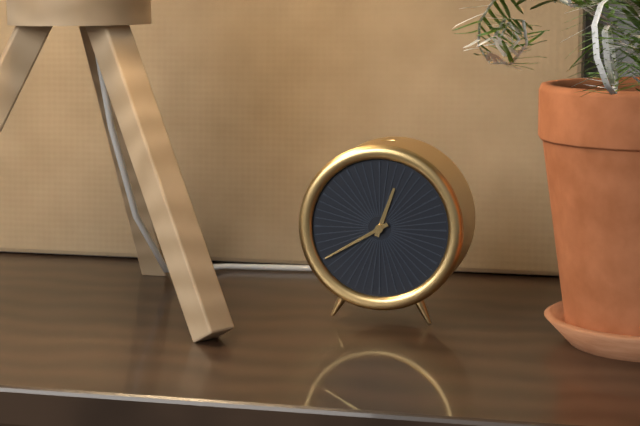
12:40
